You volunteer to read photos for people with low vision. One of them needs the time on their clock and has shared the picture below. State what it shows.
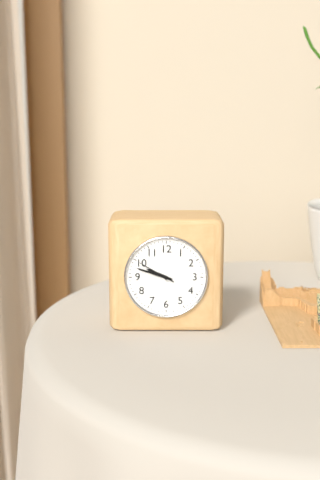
9:48
